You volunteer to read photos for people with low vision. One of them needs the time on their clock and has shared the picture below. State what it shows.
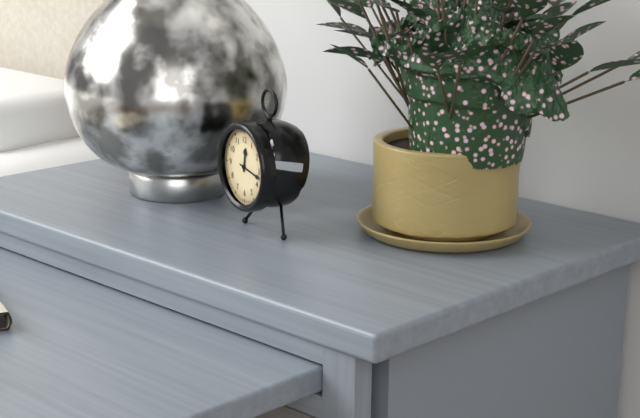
12:17
